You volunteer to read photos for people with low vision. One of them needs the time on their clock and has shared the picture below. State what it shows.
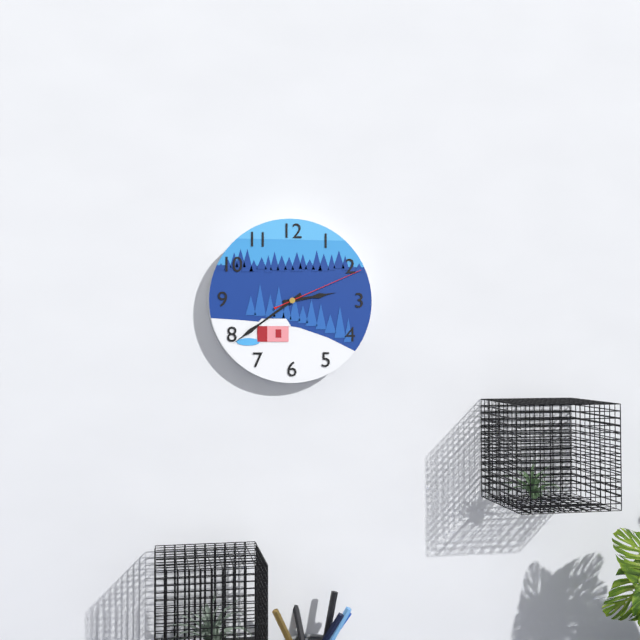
2:39:11
